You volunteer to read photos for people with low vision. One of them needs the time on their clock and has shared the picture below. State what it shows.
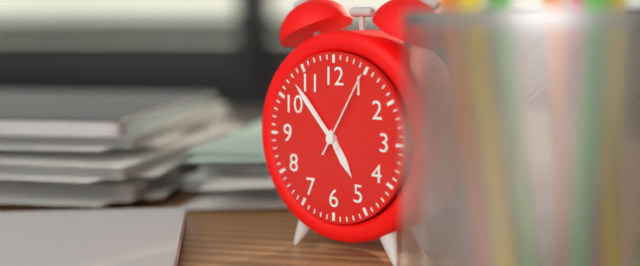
4:53:05
